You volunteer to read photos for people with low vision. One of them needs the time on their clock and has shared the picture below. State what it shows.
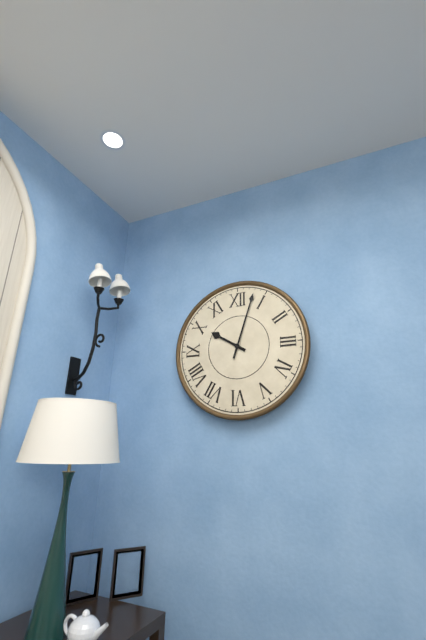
10:03
